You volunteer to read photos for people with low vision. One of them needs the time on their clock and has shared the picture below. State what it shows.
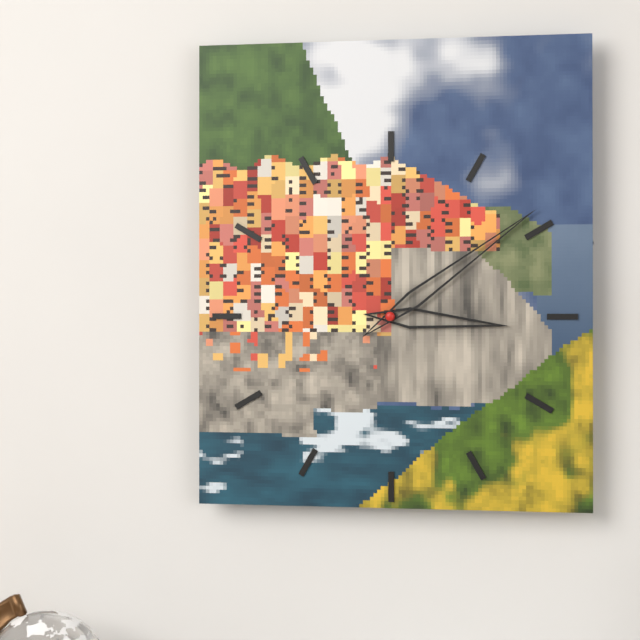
3:09
